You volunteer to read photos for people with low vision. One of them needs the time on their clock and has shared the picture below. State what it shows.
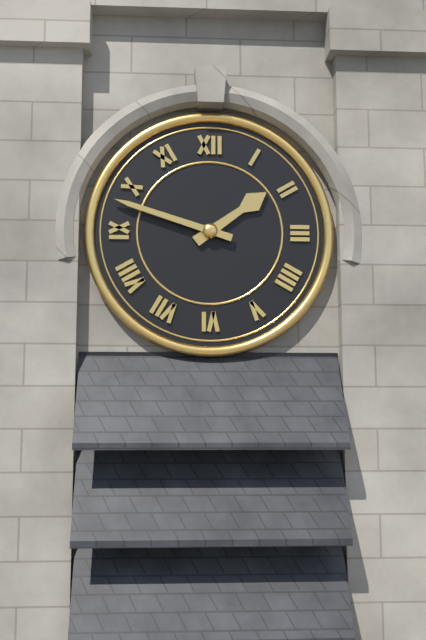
1:48
